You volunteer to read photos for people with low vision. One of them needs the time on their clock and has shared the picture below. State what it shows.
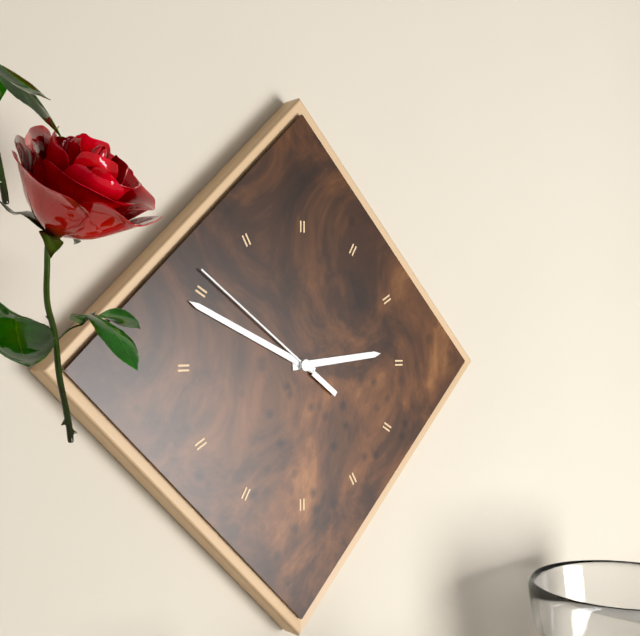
2:49:51
